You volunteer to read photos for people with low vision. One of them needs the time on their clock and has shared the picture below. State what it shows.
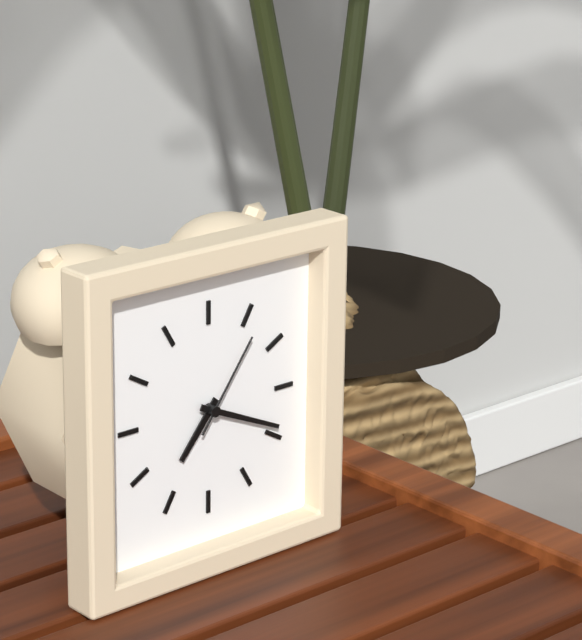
7:19:06
